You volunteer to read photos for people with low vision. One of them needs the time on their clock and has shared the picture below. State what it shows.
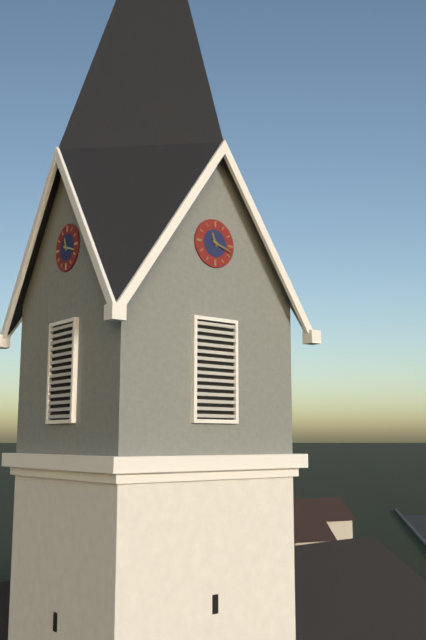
11:18
